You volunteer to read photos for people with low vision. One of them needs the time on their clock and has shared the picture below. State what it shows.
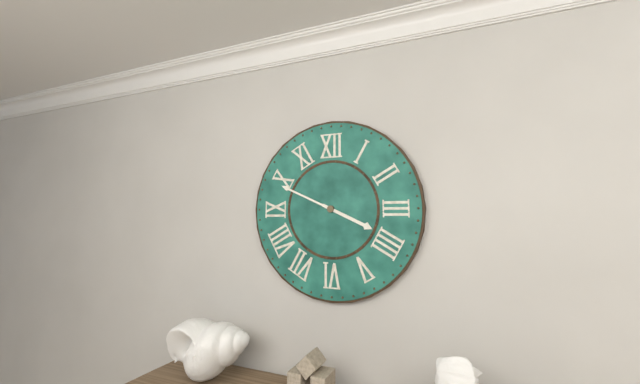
3:49
